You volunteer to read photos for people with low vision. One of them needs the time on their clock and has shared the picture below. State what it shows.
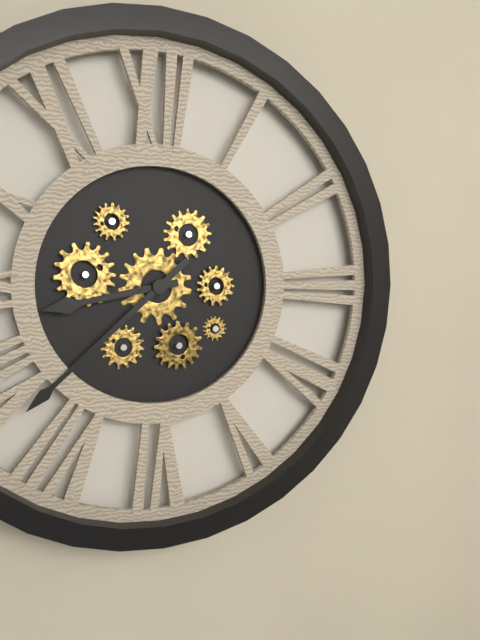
8:38
